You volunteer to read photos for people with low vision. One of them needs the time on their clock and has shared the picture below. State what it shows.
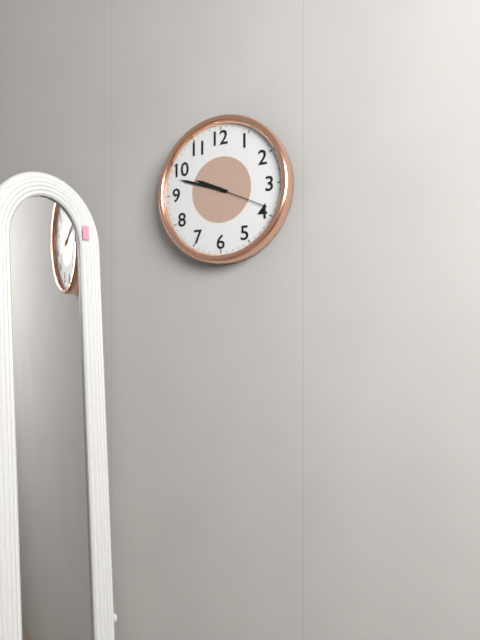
9:48:19
